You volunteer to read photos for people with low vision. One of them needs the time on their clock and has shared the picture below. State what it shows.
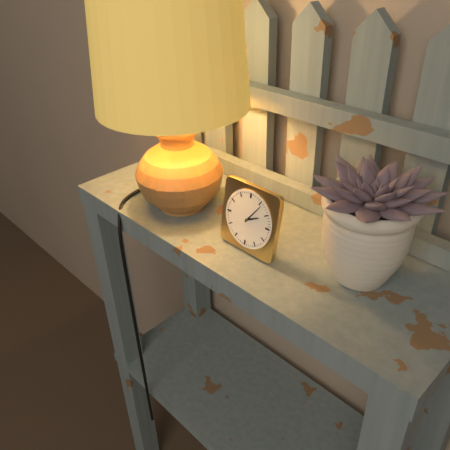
2:06
